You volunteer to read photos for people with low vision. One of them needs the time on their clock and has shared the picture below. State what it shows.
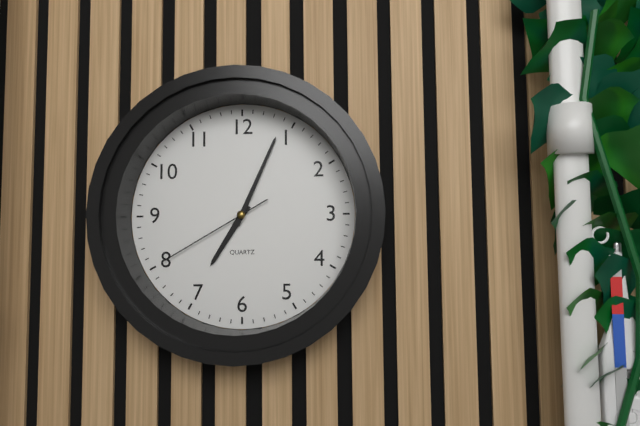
7:04:40
